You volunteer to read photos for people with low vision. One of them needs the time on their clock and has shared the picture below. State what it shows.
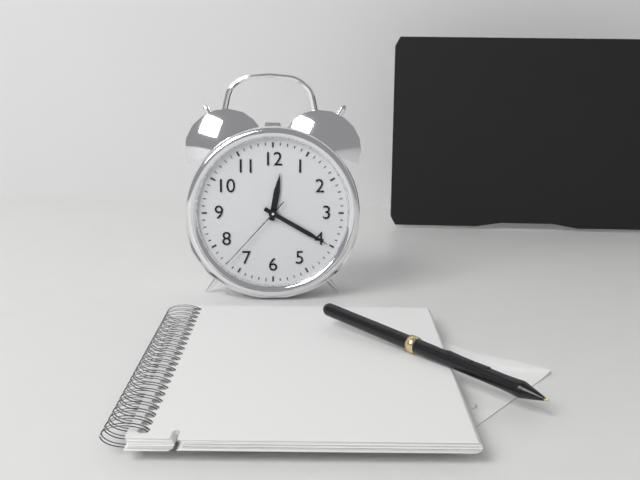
12:20:37
